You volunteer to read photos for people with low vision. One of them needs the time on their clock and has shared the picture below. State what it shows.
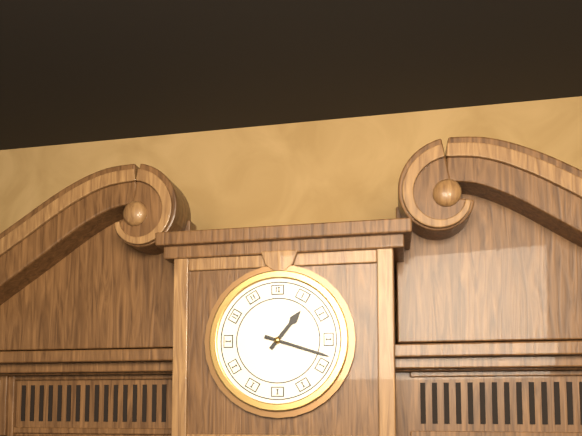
1:18
